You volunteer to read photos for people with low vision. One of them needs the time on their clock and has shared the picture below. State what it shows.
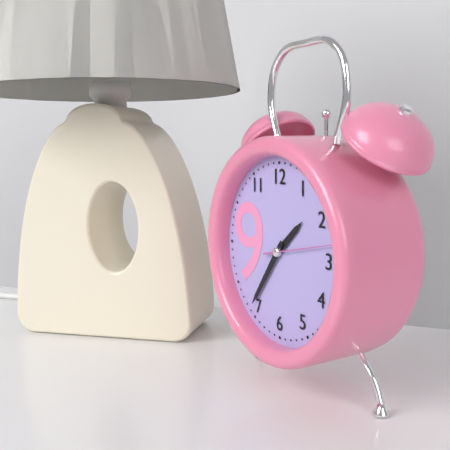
1:36:13
